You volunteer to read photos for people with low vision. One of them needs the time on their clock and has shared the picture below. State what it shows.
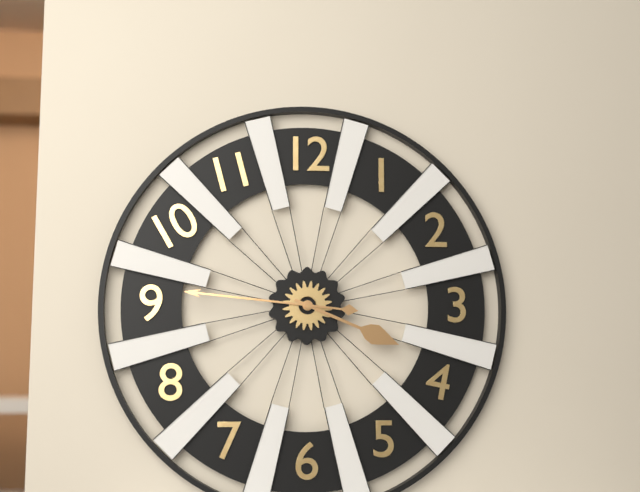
3:46
